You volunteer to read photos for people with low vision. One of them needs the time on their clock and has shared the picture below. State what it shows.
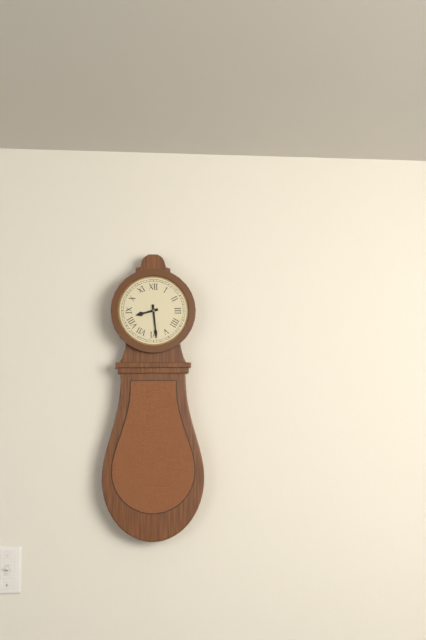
8:29
